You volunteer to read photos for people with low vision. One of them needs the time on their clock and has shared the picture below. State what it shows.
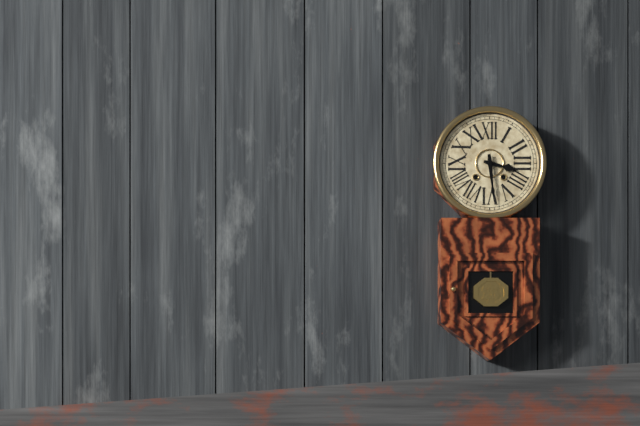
3:29
